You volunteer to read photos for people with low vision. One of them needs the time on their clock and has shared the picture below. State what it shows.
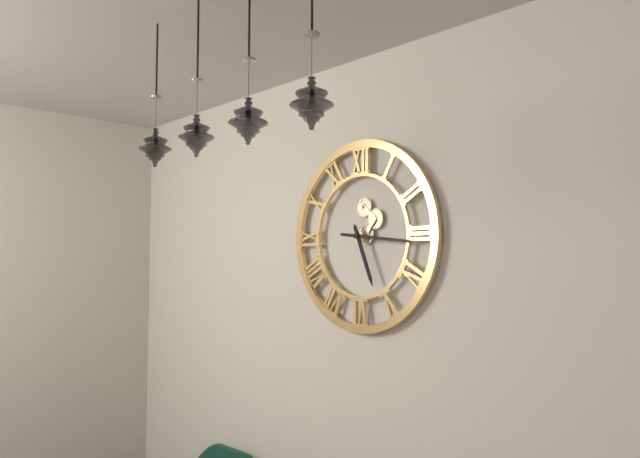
5:16
